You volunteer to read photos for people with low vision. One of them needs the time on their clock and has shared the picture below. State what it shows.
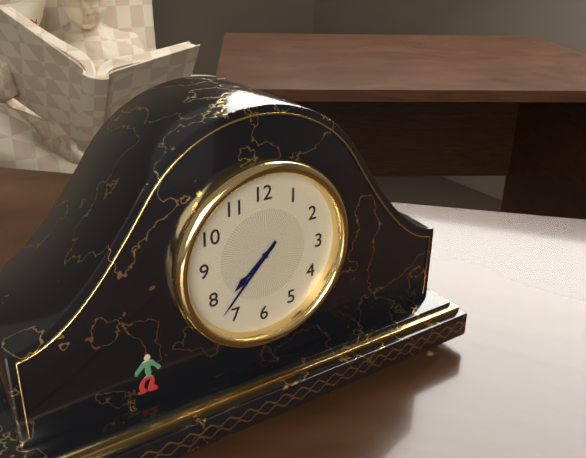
7:37
